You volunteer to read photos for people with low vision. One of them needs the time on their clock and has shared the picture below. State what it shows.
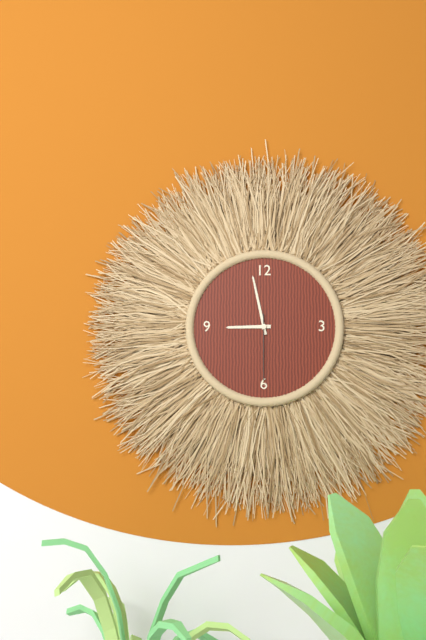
8:58:30
